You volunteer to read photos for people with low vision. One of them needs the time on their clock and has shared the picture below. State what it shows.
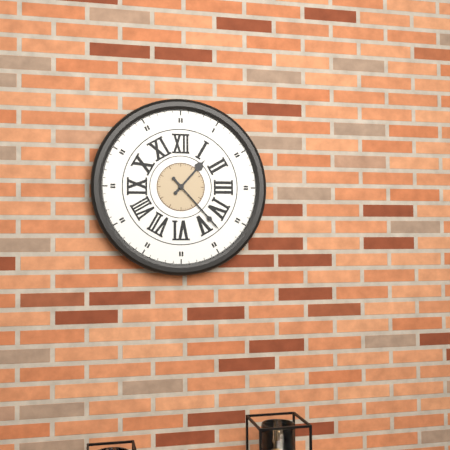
1:23
